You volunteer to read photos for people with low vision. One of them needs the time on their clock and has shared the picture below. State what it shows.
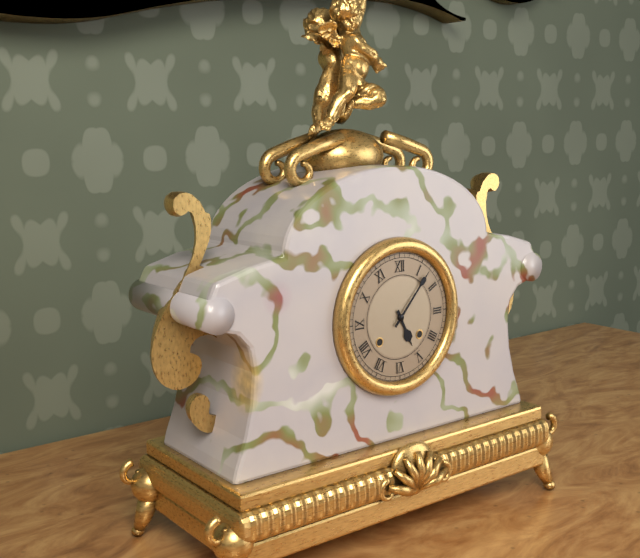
5:07
